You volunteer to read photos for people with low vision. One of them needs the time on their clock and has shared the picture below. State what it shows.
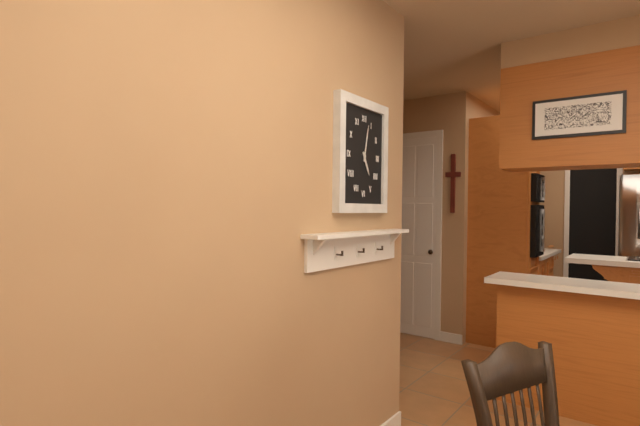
5:02
